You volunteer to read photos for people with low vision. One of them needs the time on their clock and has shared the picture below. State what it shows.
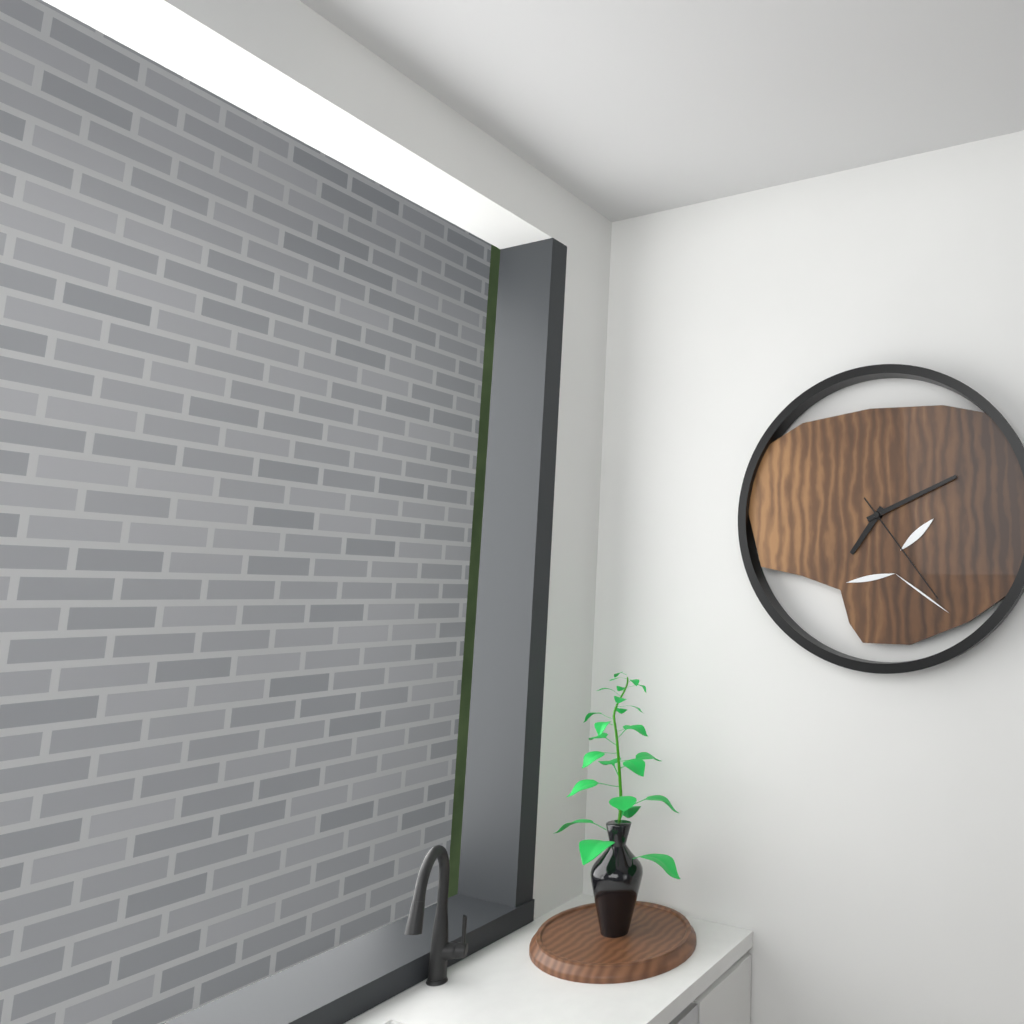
7:11:24
